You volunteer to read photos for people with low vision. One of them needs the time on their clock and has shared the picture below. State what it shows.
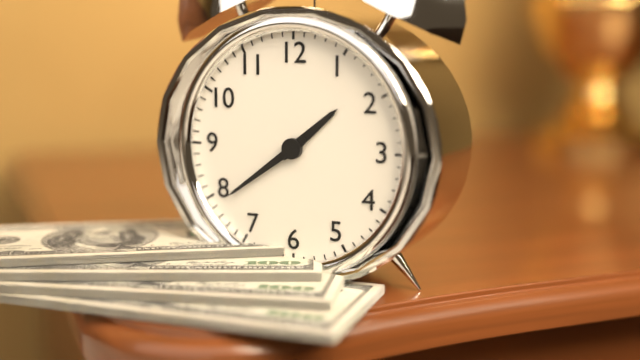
1:39
